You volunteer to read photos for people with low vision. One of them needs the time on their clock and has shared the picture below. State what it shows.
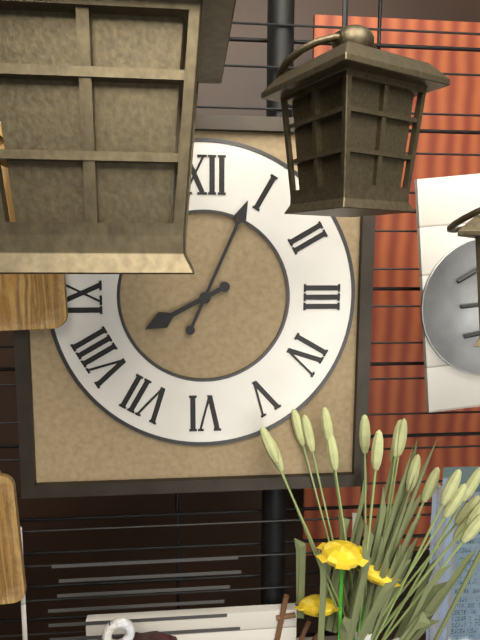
8:04
